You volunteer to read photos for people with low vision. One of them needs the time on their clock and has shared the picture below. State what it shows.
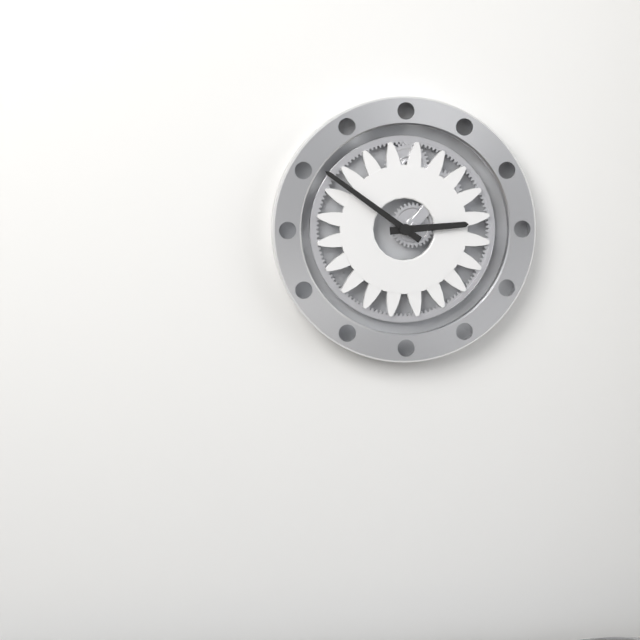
2:51
